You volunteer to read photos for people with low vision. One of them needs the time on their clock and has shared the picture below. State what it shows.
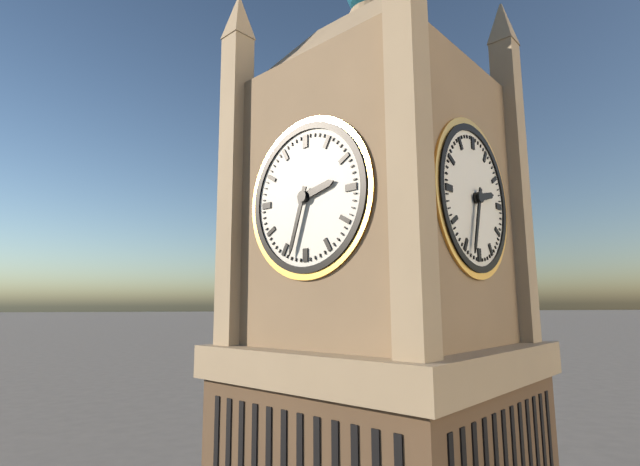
2:33
